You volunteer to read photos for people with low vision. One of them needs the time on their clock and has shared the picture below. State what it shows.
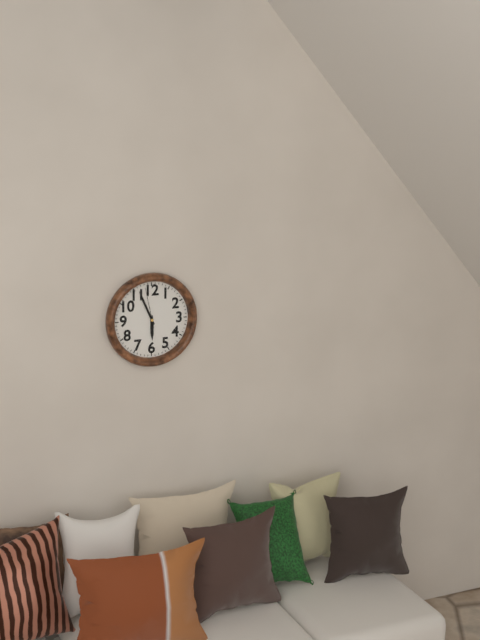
5:56
